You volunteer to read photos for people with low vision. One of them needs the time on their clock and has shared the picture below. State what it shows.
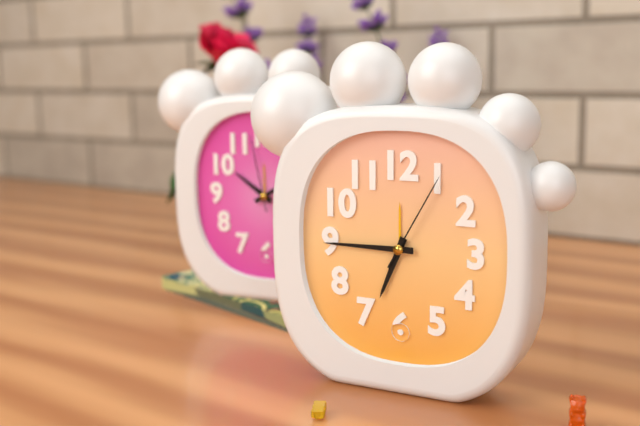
6:45:05
